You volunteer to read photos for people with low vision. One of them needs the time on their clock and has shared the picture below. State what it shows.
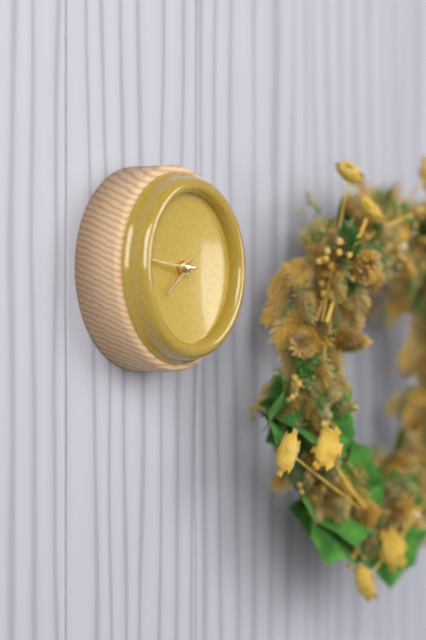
7:46
